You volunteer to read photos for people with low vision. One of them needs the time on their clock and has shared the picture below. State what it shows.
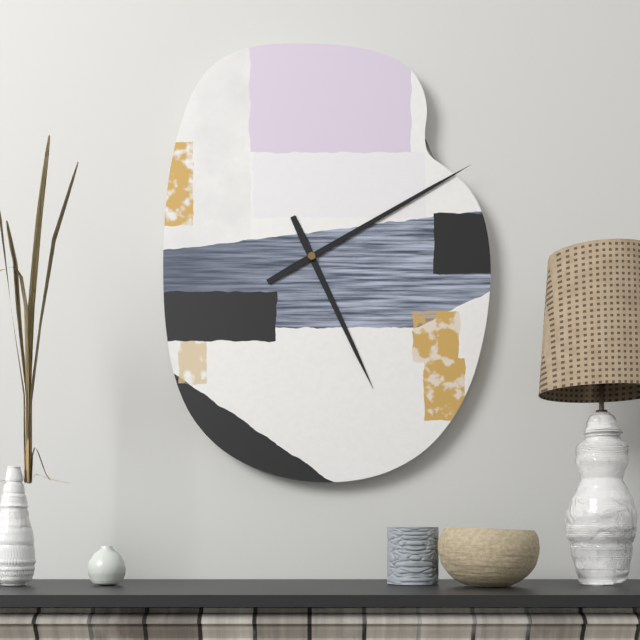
5:10
